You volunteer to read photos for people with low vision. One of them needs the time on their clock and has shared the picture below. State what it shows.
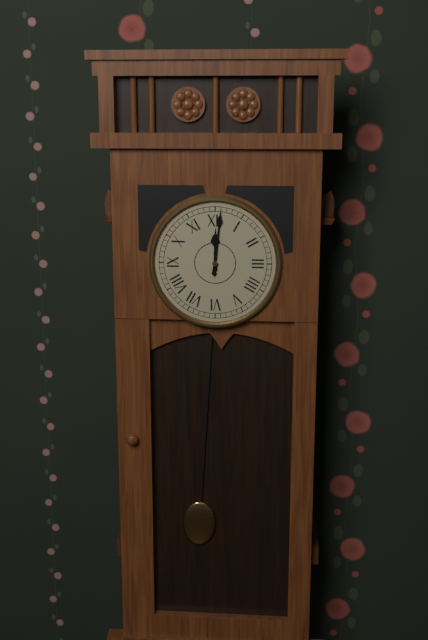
12:01
